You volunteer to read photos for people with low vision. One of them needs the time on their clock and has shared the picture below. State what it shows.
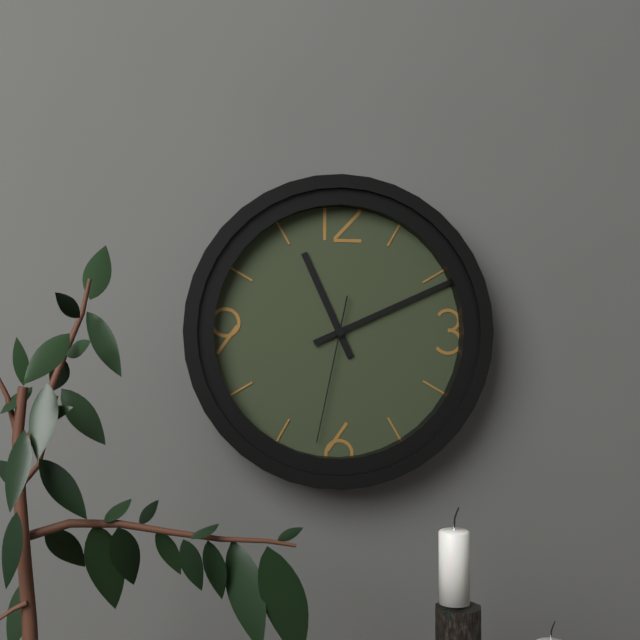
11:11:32
